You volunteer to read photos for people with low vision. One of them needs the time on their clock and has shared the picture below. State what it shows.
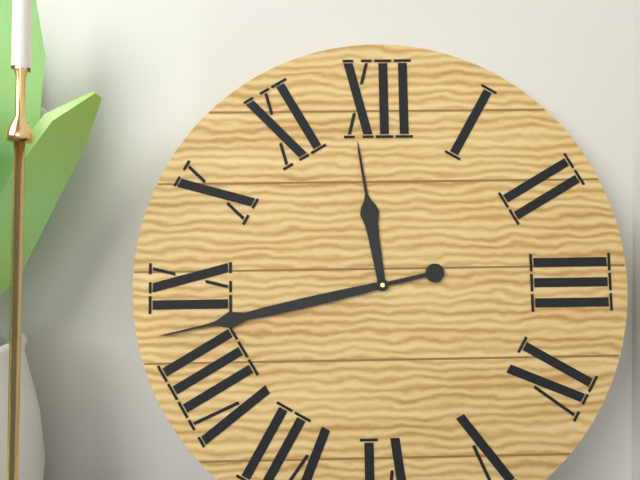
11:43
